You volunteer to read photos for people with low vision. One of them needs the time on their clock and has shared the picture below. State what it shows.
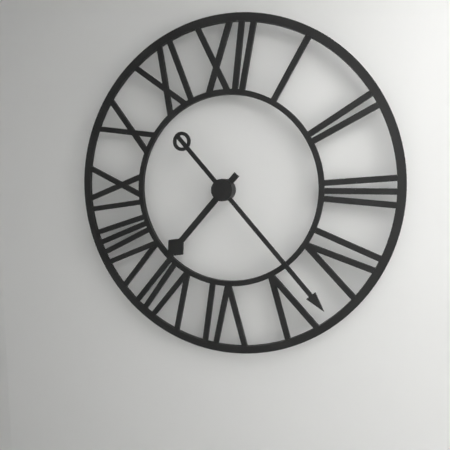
7:23
